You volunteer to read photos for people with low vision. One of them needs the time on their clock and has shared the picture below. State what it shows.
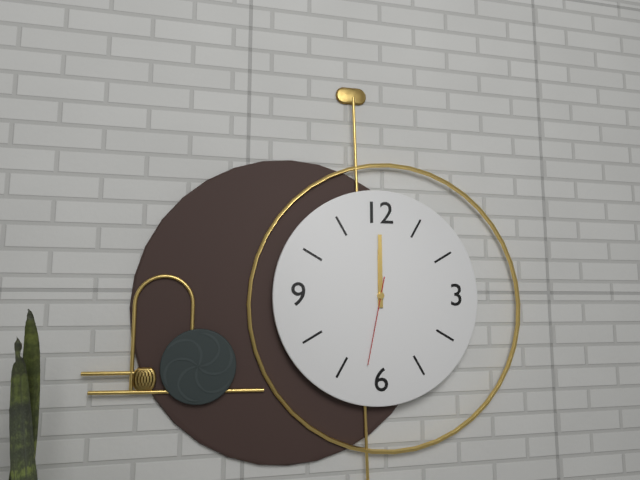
12:00:32
